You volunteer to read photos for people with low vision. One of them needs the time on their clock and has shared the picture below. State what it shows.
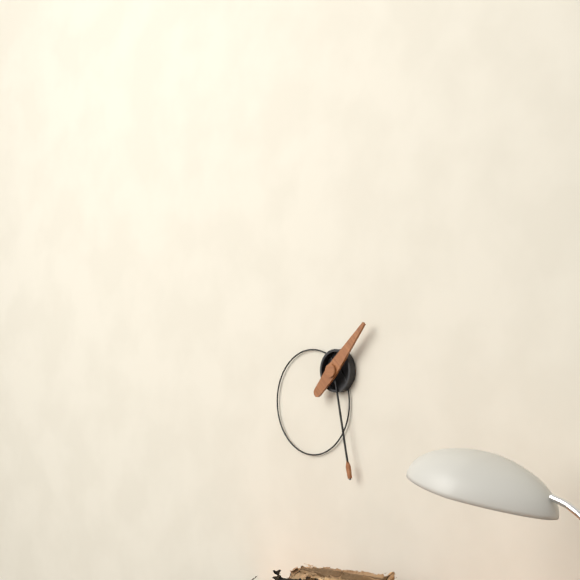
1:28
